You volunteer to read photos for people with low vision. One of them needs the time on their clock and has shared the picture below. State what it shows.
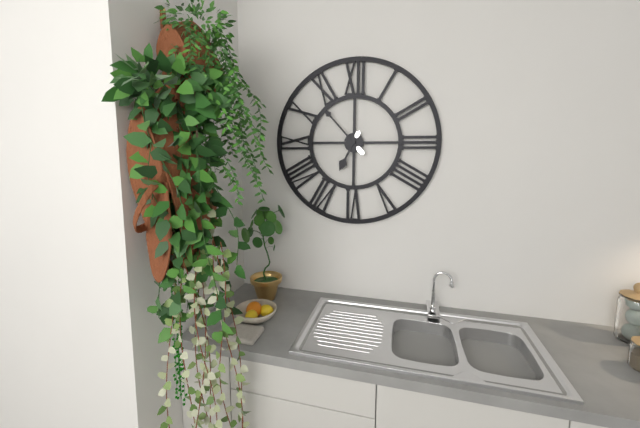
6:53
